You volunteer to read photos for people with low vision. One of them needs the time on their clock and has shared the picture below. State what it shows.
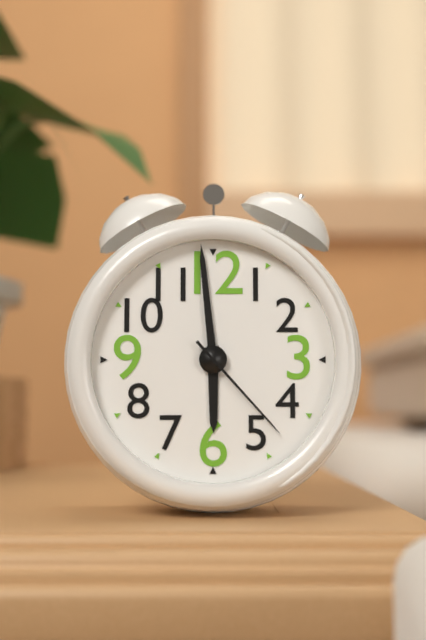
5:59:23
